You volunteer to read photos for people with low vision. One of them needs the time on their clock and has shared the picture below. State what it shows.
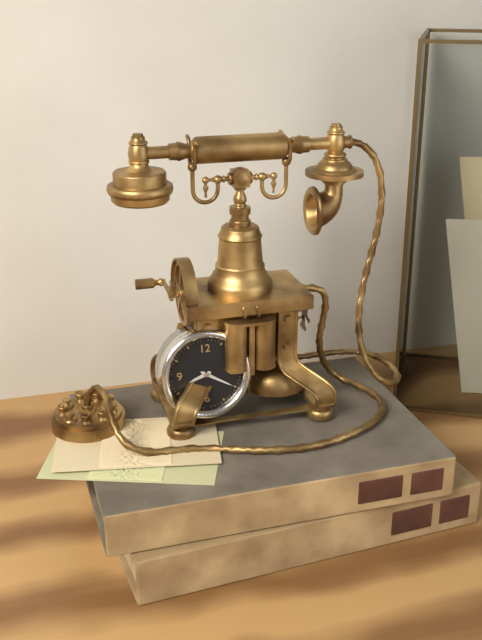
8:20
